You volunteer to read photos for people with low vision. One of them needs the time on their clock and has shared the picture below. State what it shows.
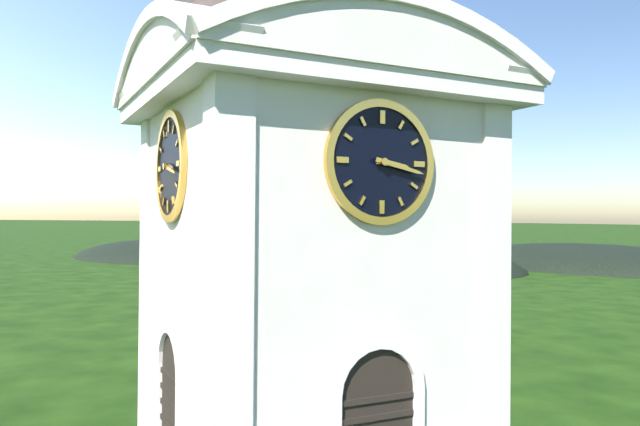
3:17
